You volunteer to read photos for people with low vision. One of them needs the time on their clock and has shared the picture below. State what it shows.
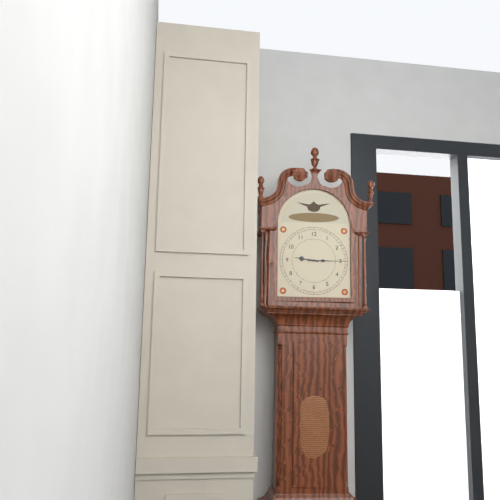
9:15
